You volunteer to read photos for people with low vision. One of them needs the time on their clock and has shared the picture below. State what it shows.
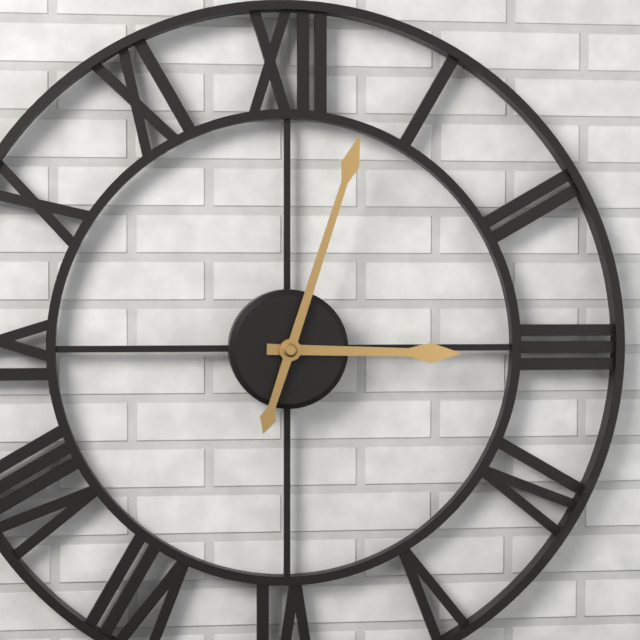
3:03
